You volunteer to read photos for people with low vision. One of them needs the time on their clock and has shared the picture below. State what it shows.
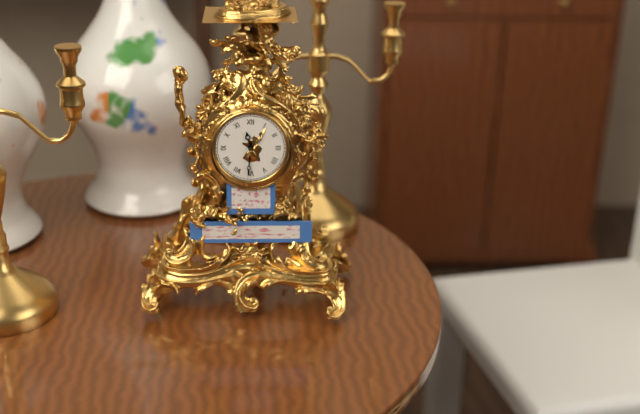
11:31
